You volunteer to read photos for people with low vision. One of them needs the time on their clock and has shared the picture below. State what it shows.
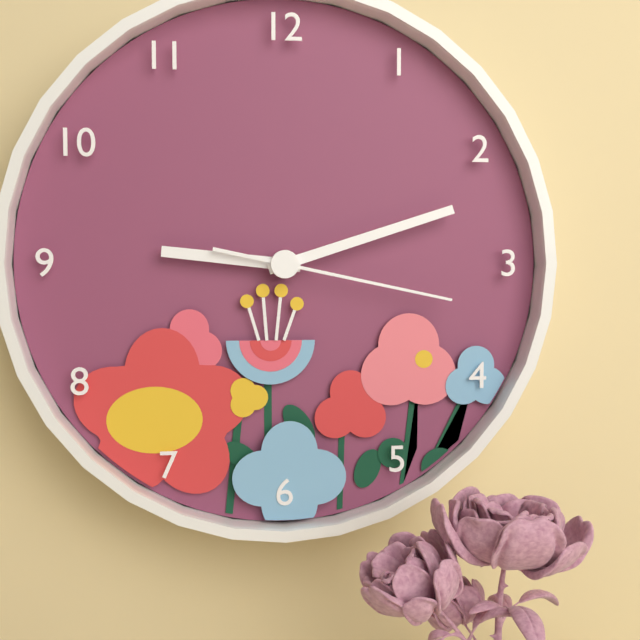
9:12:17
